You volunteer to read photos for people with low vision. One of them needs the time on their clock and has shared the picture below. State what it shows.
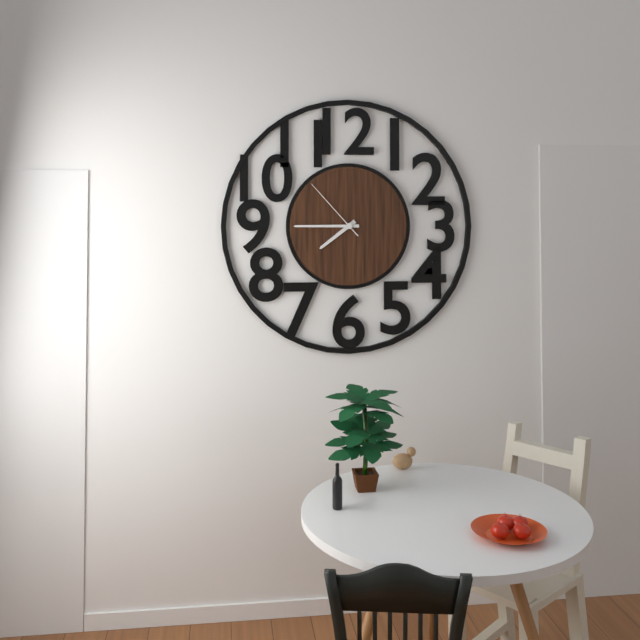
7:45:53
